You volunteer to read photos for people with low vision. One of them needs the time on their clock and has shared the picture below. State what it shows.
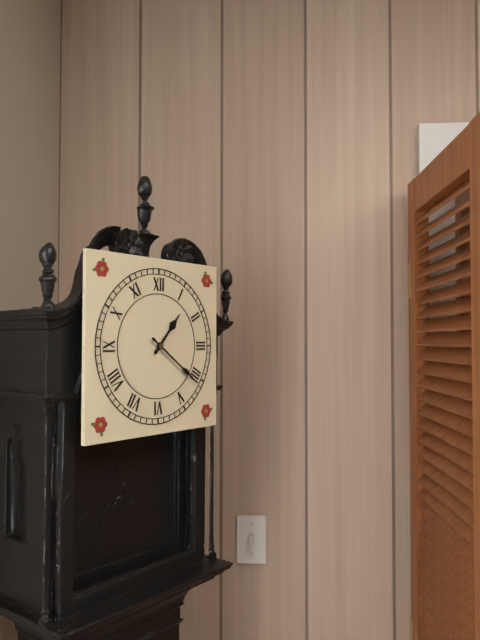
1:21
